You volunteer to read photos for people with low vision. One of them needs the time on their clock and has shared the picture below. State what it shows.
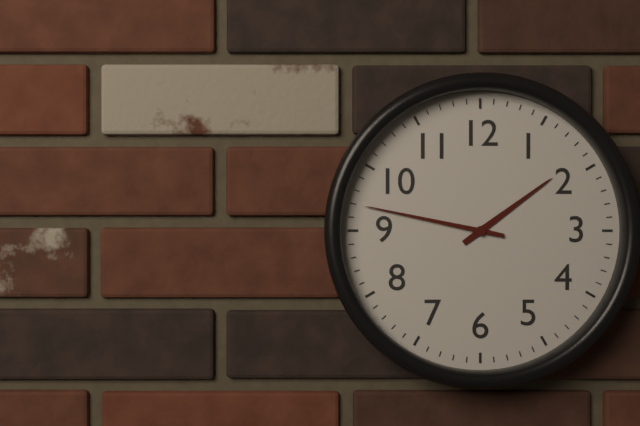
1:47
